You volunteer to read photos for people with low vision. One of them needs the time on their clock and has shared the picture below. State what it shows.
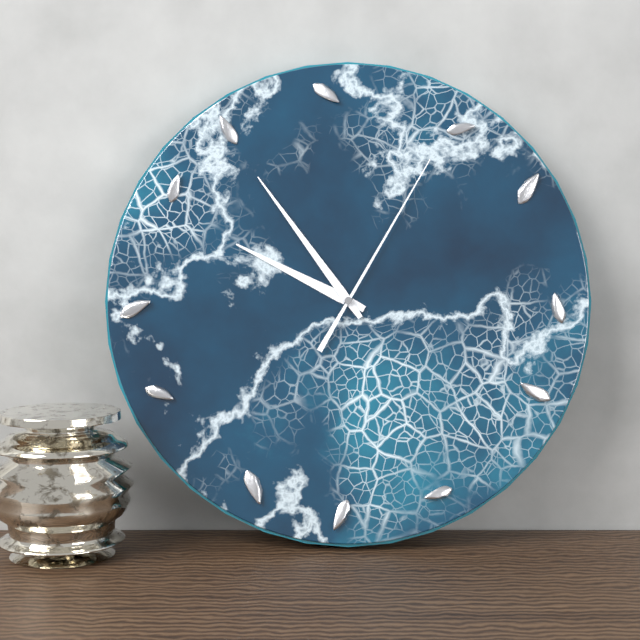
9:54:05
